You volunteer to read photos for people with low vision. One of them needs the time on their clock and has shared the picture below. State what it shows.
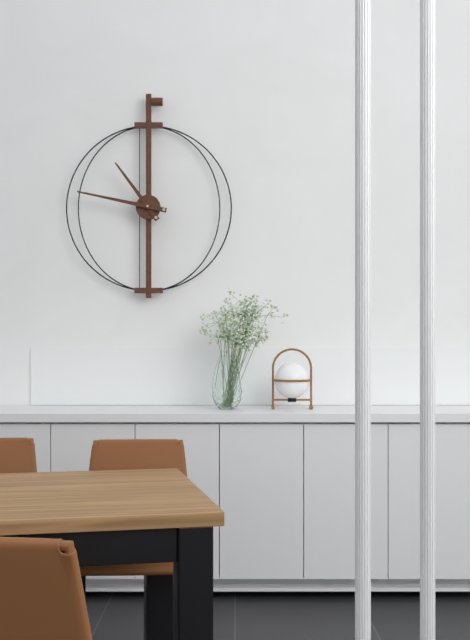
10:47
